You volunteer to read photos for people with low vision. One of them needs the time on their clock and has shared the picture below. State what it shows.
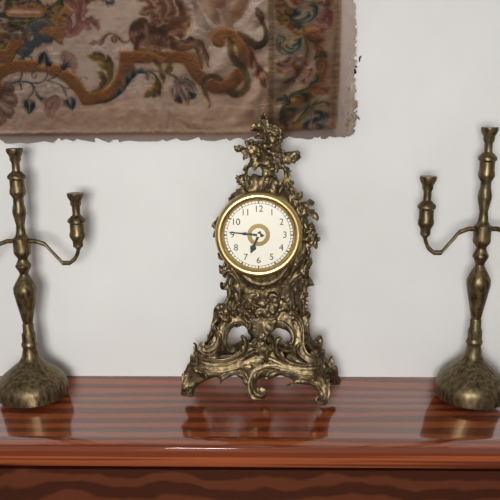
6:46
